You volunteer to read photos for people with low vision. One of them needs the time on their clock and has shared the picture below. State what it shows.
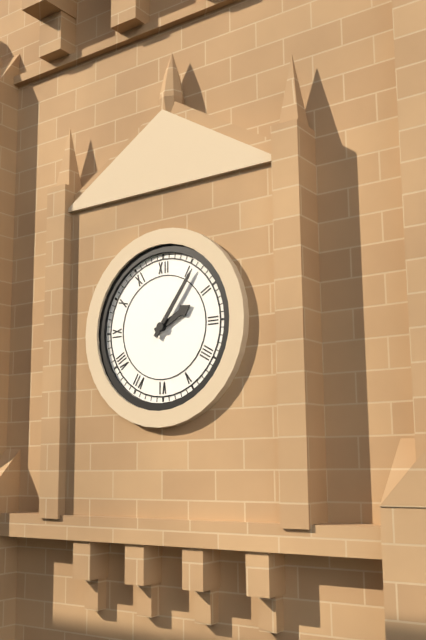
2:06
